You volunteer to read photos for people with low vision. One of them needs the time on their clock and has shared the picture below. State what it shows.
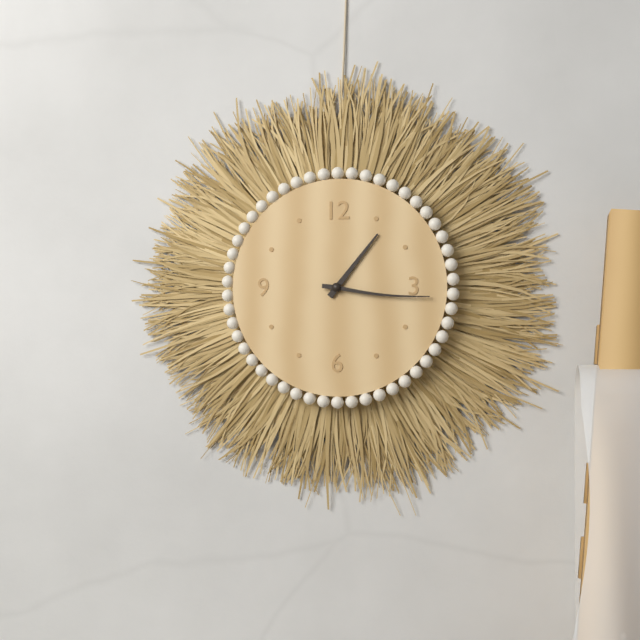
1:16
